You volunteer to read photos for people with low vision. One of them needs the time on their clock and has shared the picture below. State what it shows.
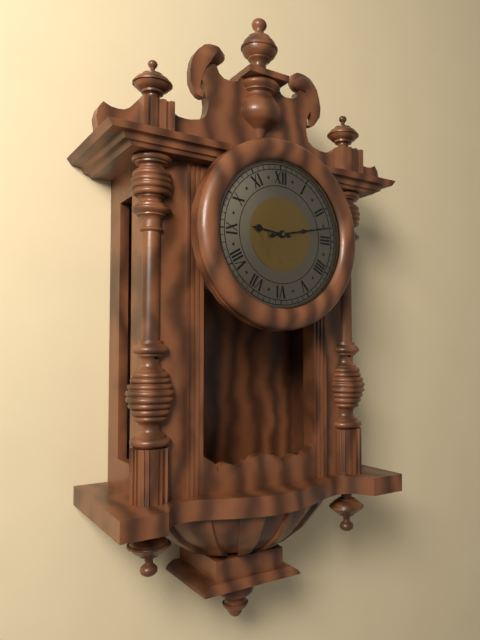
9:13
